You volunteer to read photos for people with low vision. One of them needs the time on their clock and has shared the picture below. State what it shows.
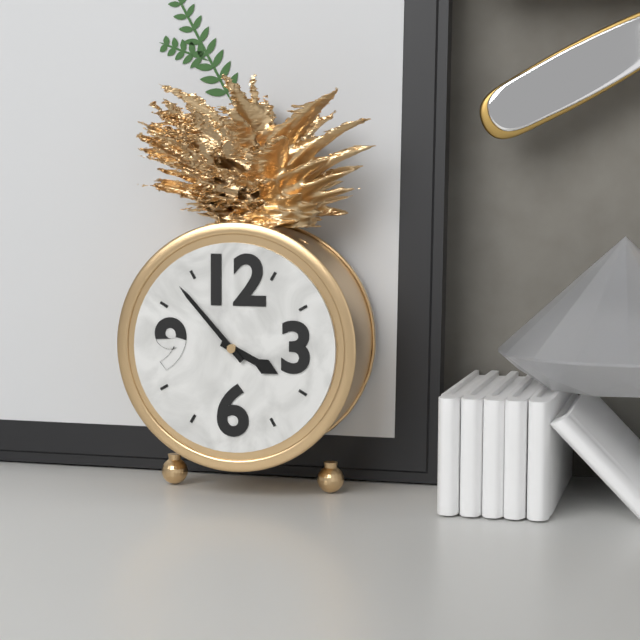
3:53
